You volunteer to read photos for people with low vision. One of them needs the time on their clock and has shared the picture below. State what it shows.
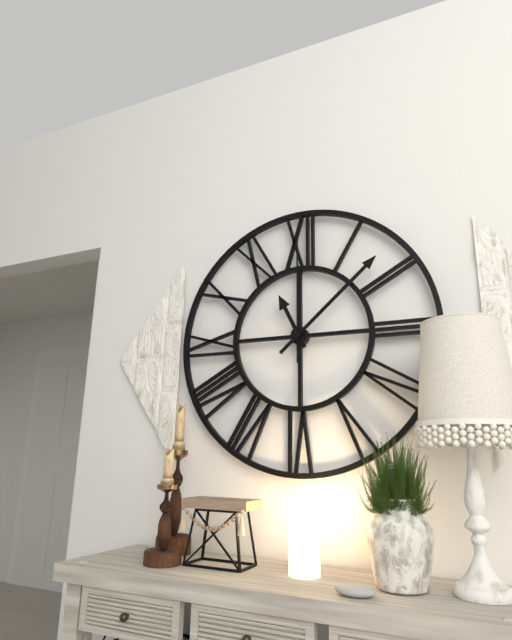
11:08:00
